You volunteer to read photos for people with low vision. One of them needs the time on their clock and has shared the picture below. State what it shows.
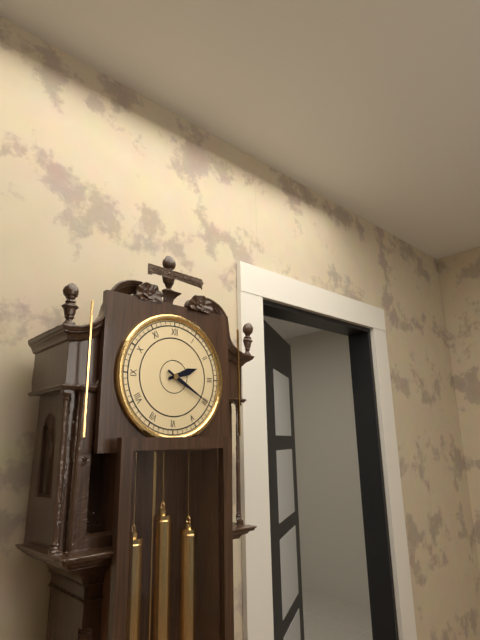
2:20
